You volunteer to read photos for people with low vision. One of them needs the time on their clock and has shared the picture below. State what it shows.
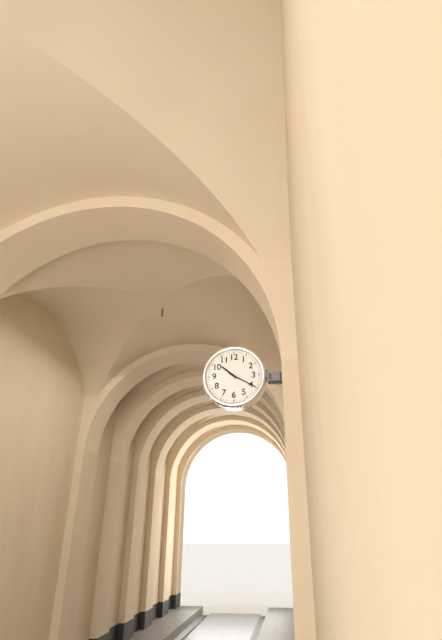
10:20
